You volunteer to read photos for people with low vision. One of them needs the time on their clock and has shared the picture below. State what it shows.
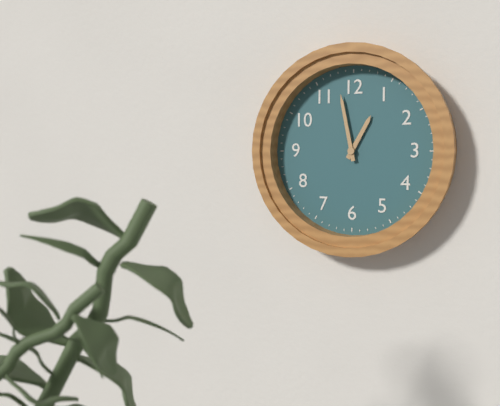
12:58
